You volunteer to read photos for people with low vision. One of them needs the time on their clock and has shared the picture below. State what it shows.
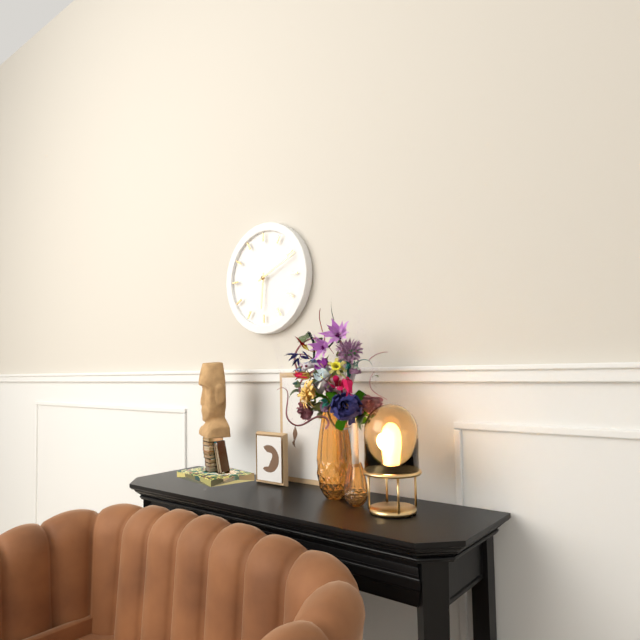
6:11
